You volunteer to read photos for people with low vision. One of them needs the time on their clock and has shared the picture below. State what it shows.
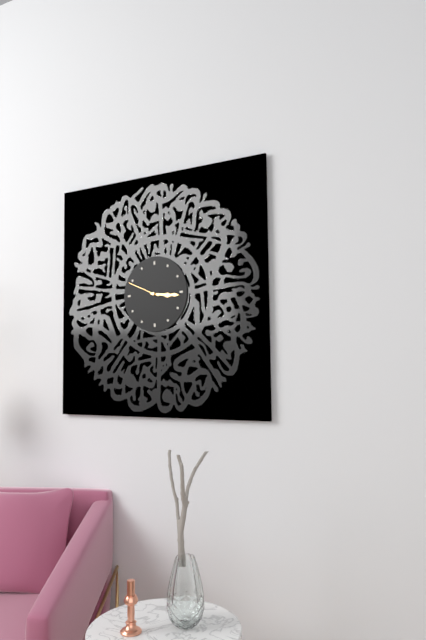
3:16
